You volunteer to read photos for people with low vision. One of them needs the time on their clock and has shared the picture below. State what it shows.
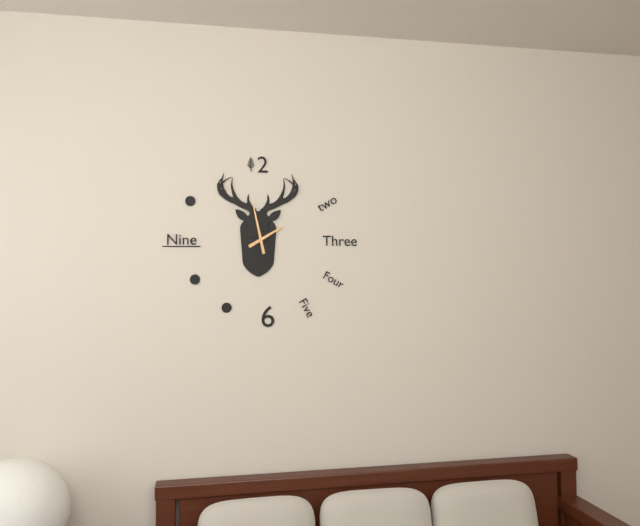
1:58
